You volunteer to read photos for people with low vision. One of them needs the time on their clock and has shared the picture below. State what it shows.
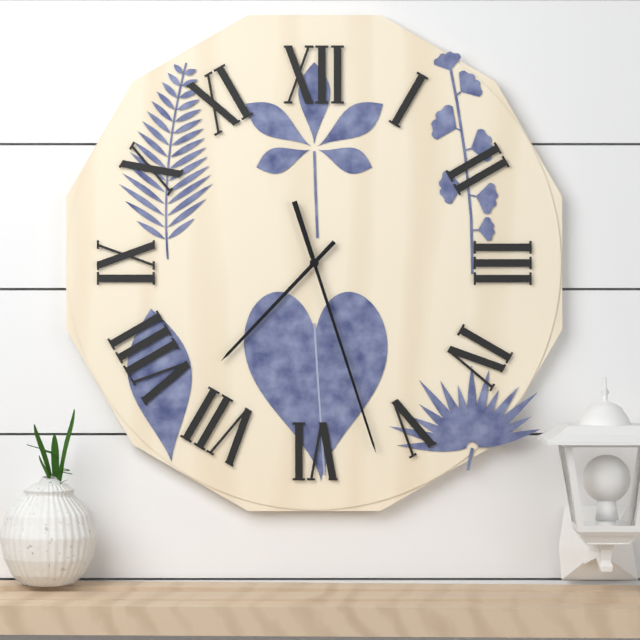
7:27
